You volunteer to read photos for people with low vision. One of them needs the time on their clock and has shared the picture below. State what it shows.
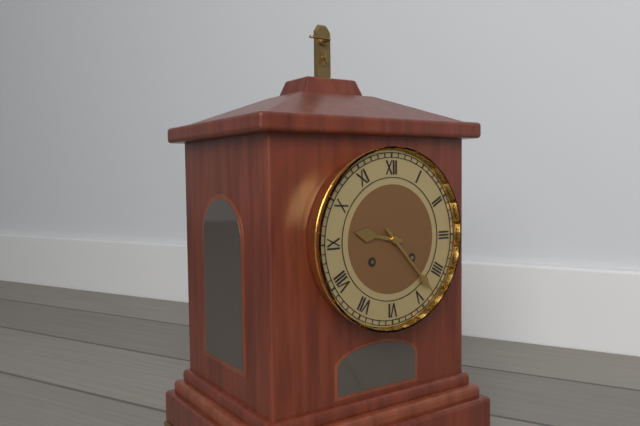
9:23
